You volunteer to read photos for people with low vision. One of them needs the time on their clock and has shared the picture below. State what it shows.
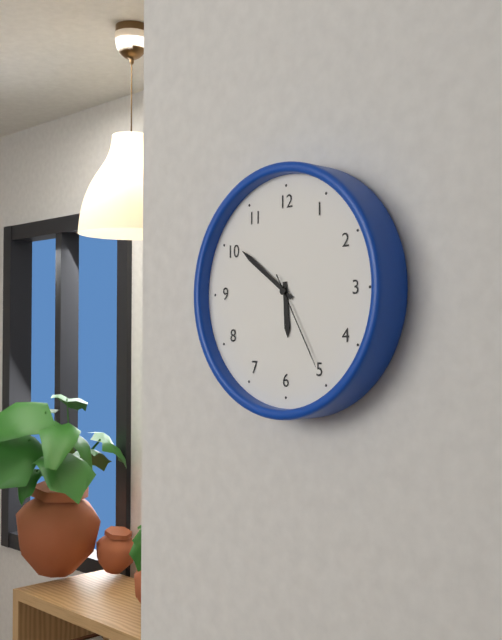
5:51:25
